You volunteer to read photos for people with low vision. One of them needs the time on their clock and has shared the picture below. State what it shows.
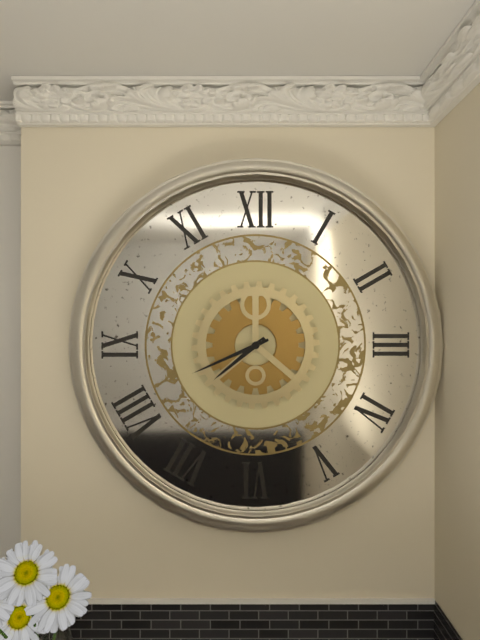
7:41
